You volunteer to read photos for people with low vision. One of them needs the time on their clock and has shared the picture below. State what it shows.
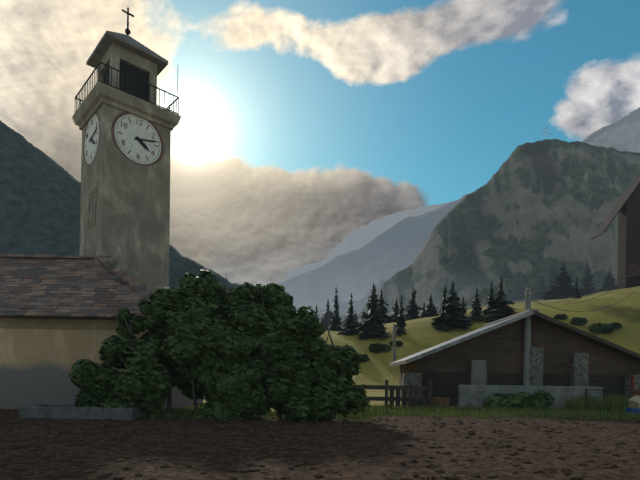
4:13
